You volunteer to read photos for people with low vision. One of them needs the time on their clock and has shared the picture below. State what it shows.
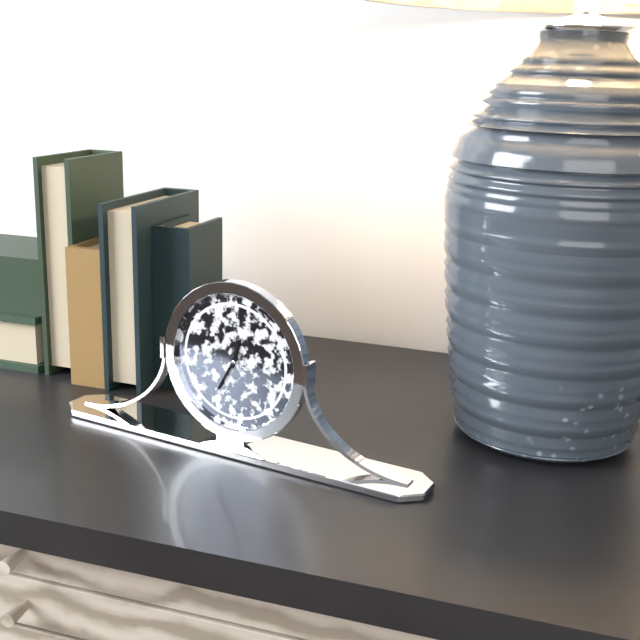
12:35
